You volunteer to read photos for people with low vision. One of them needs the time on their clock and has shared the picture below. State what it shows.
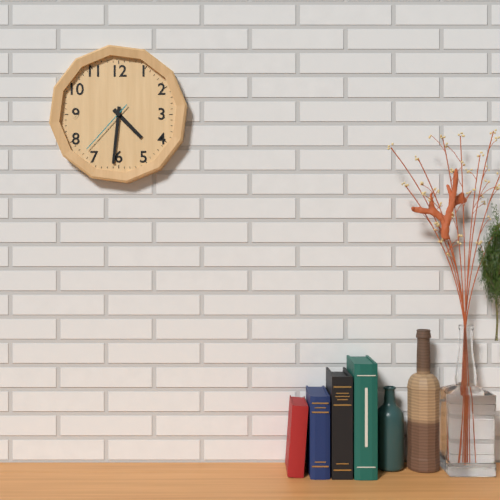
4:31:37
